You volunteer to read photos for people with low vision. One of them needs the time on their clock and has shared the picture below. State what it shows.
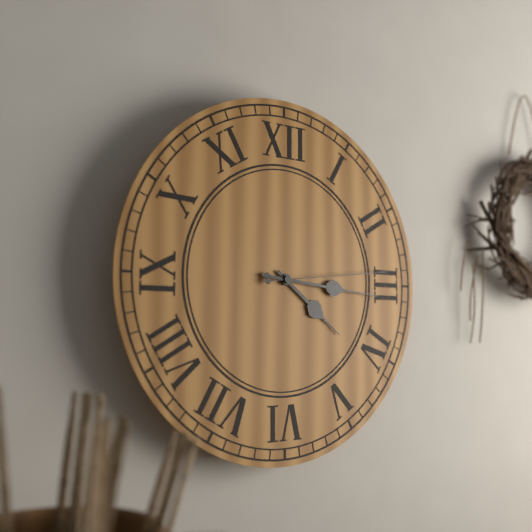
4:16:14
